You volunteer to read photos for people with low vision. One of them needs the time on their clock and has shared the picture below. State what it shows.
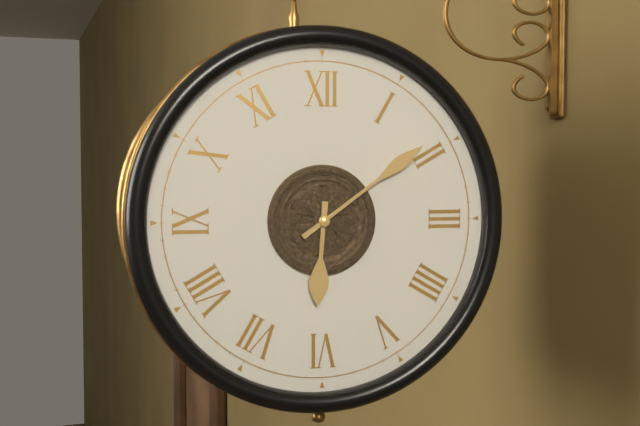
6:09
